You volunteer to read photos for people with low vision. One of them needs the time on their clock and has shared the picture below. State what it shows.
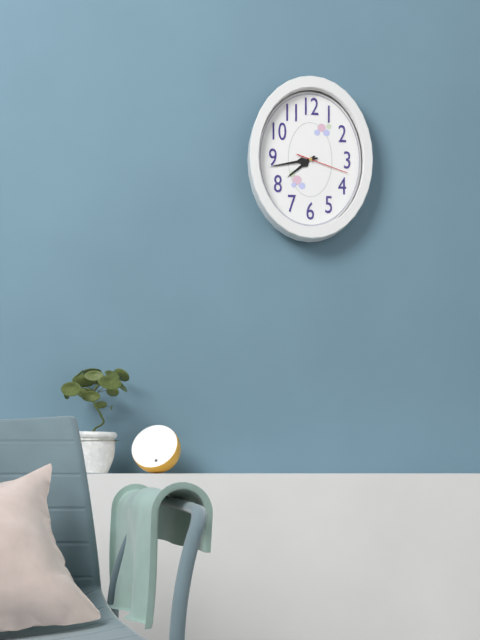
7:43
